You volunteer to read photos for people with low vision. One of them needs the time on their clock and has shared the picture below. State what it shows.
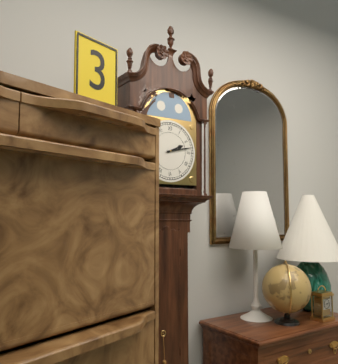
2:13
